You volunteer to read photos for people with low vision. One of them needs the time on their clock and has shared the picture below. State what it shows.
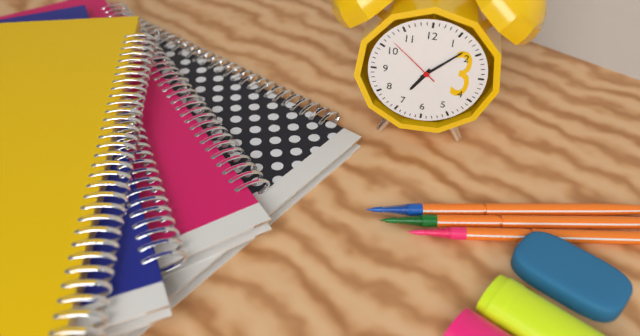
7:08:52
